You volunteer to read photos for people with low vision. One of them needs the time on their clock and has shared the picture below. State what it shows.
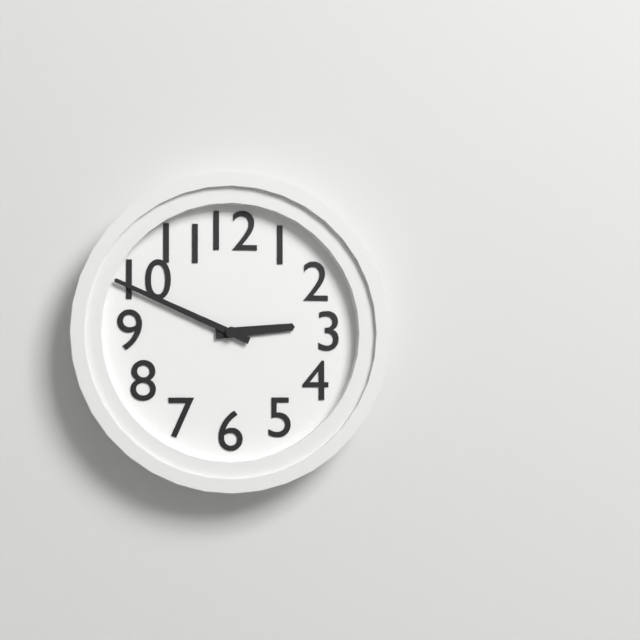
2:49
